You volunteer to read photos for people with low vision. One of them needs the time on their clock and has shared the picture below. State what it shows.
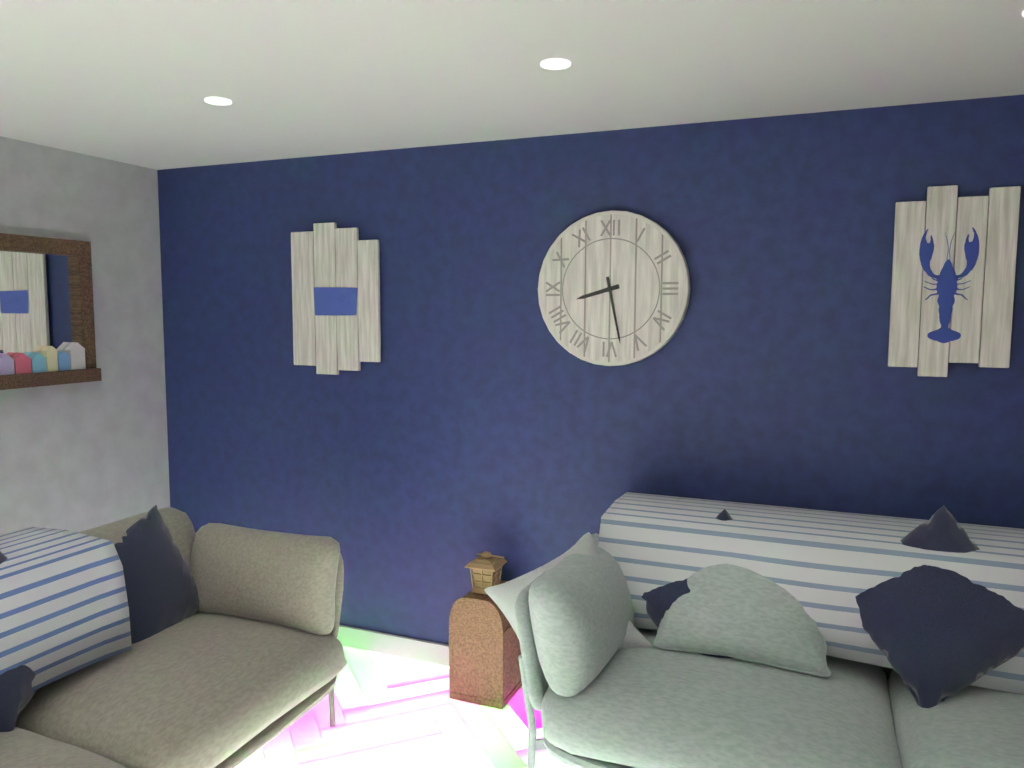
8:28
